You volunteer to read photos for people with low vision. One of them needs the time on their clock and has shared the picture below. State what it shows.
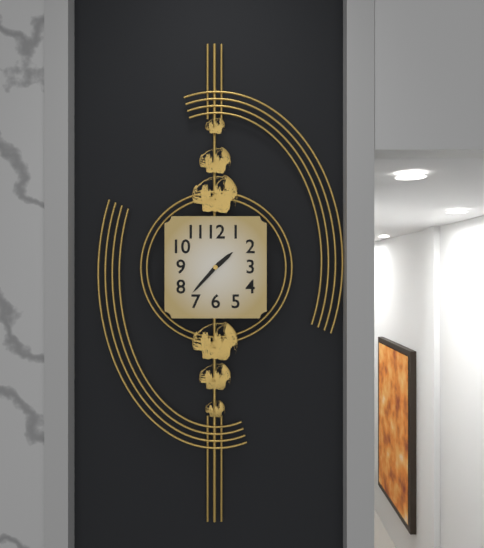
1:37
